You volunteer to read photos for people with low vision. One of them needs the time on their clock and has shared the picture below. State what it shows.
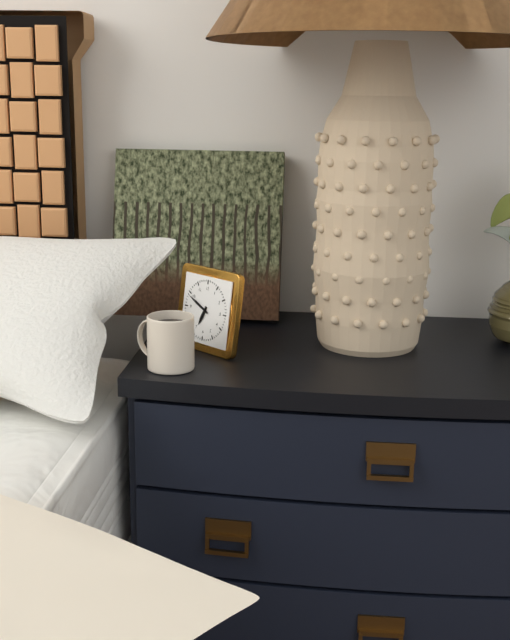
6:49
